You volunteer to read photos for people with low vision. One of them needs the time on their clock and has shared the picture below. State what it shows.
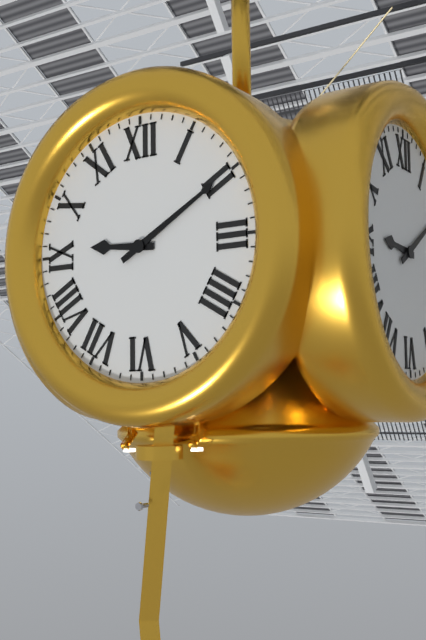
9:10
